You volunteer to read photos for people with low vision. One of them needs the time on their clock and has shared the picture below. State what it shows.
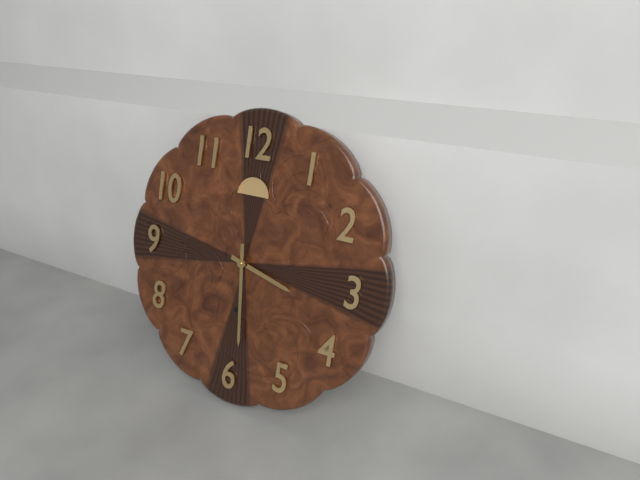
3:29
